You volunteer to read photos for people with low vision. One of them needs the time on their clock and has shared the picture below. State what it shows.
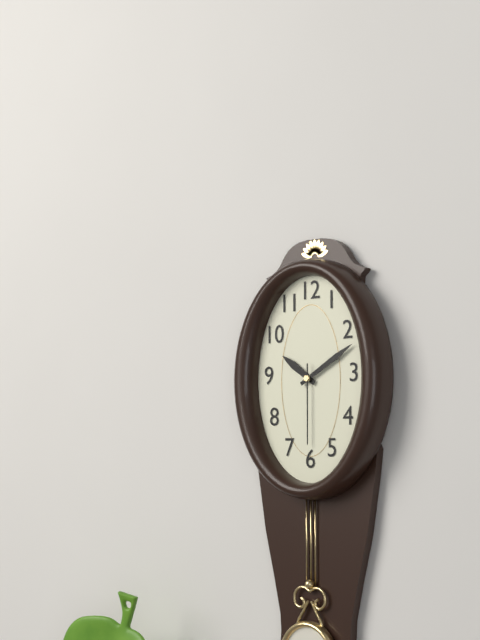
10:10:30
